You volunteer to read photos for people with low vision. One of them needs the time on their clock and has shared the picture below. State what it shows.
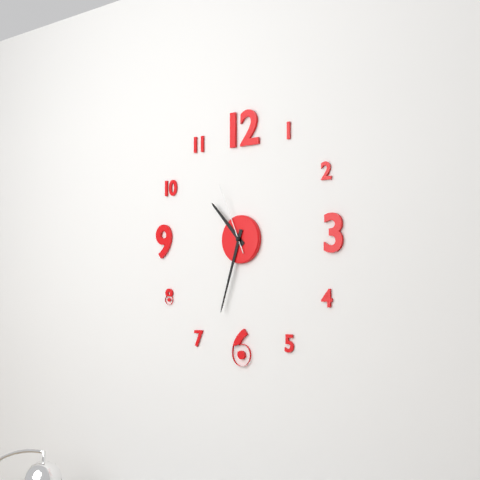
10:33:56
